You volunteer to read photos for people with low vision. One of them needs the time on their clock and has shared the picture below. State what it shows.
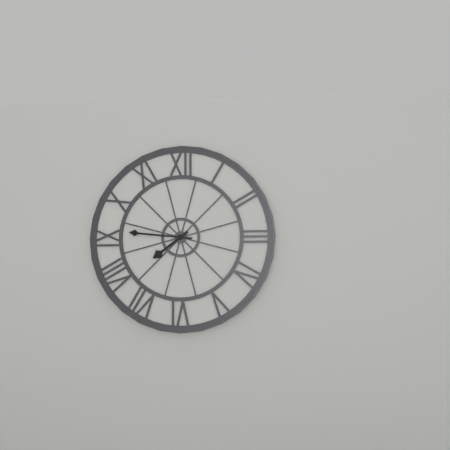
7:46
